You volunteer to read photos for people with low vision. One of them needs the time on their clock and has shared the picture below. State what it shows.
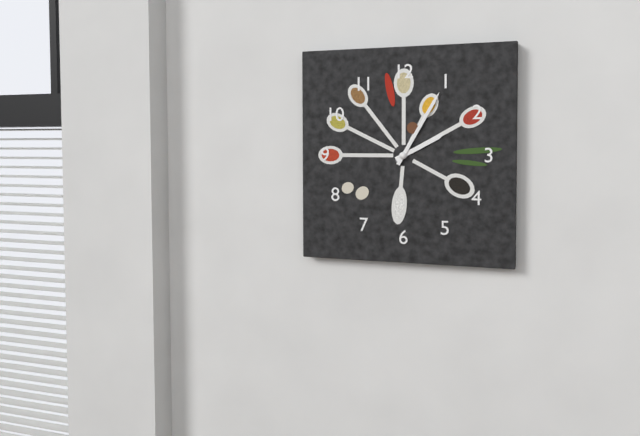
2:05
